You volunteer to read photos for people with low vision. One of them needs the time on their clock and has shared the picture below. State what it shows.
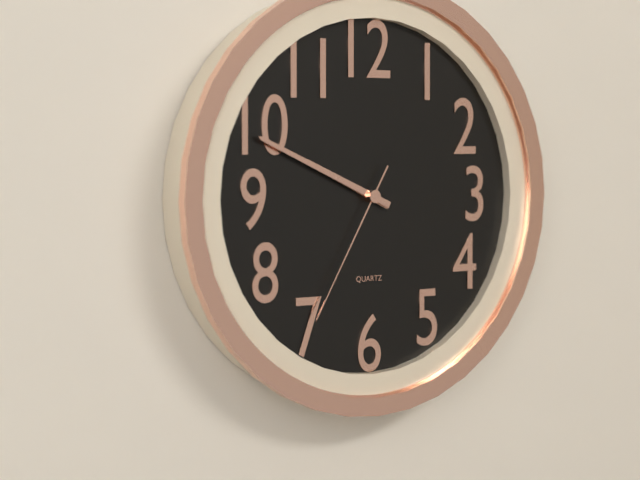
9:49:35
